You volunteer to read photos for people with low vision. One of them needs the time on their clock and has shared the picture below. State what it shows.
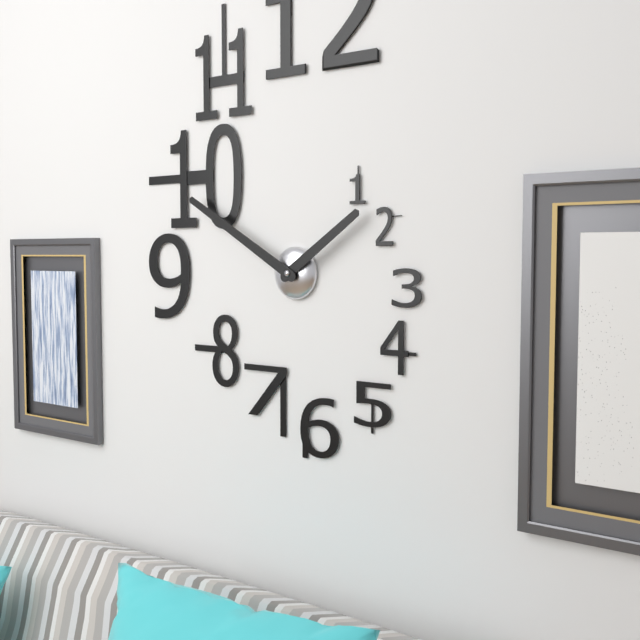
1:50
